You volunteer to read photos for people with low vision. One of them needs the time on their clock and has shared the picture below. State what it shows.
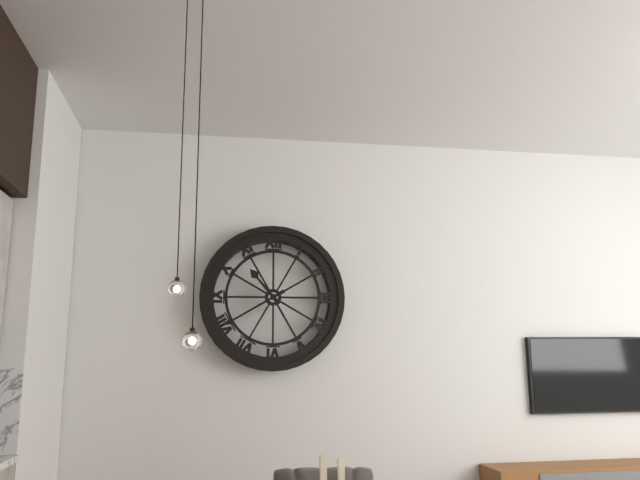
10:40
